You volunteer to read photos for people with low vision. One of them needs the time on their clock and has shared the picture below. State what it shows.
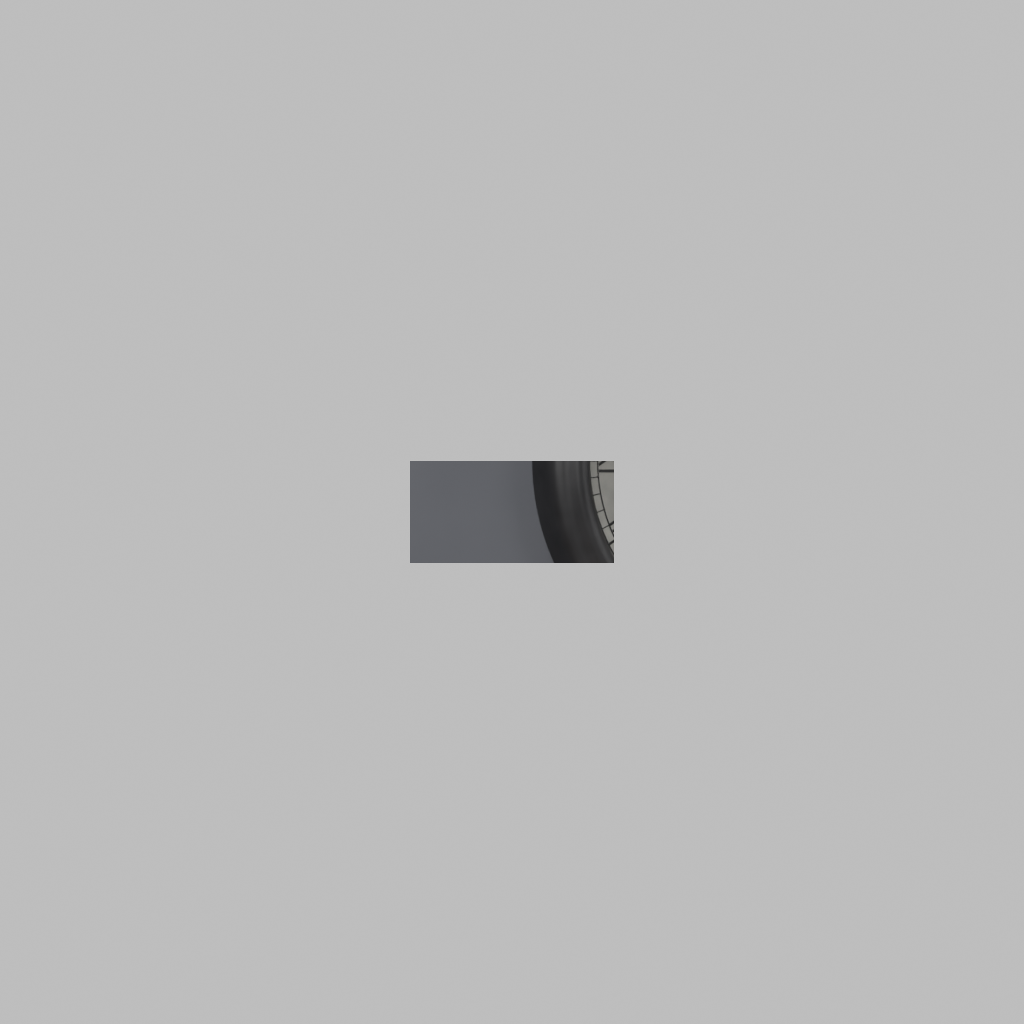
8:32
